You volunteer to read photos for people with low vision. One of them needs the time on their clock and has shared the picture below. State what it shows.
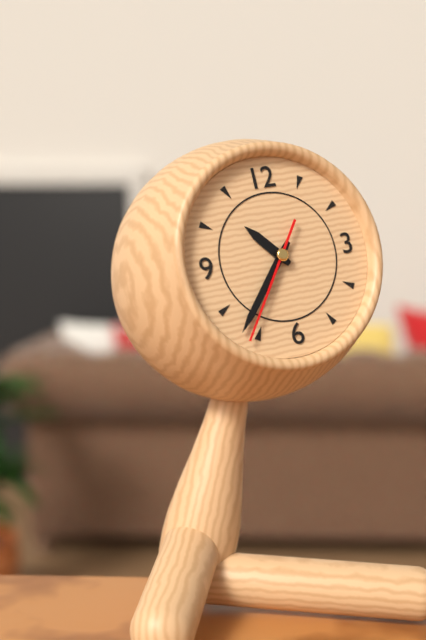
10:37:36
